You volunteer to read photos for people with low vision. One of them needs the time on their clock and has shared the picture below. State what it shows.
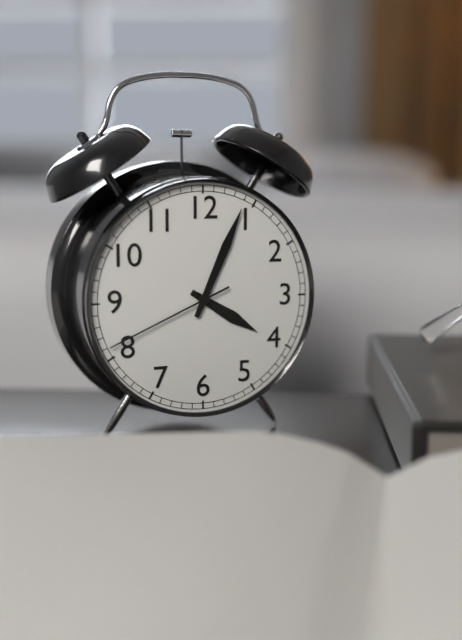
4:04:41
